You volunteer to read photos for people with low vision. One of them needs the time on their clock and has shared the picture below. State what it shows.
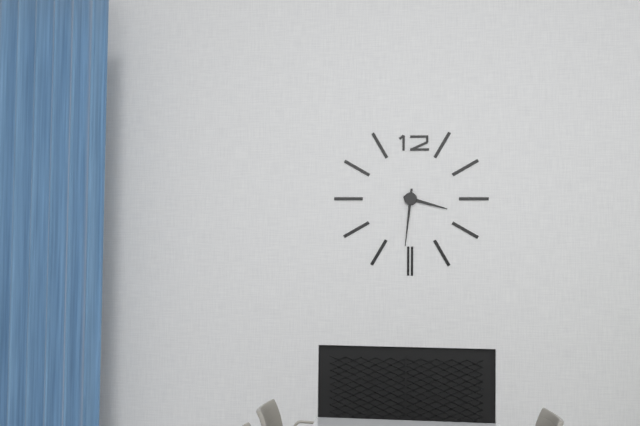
3:31
